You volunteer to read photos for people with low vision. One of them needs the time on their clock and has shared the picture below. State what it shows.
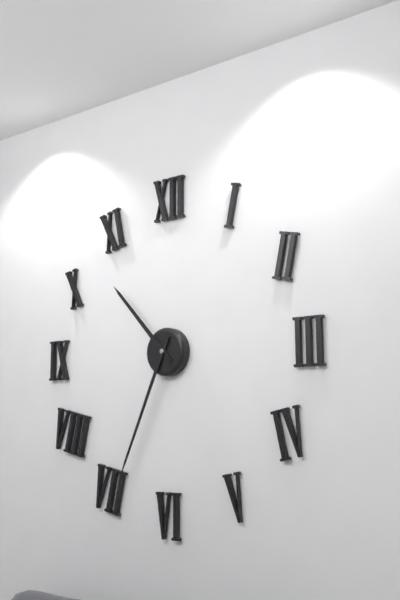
10:34
